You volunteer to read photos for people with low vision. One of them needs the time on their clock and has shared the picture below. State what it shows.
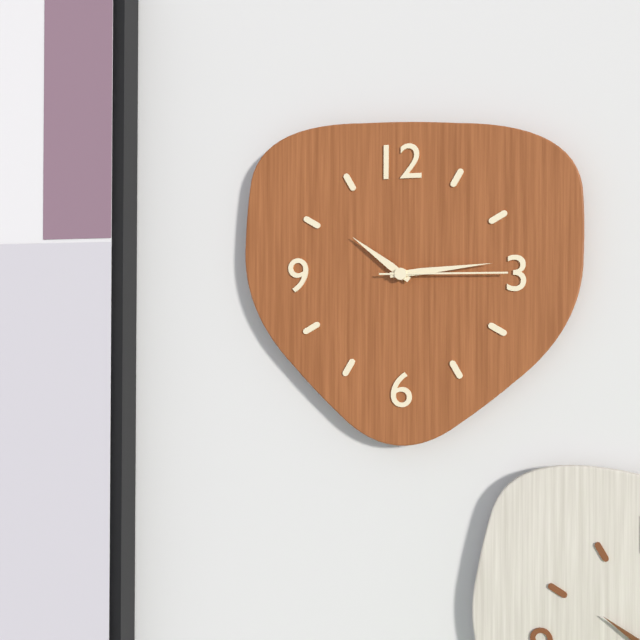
10:14:15
